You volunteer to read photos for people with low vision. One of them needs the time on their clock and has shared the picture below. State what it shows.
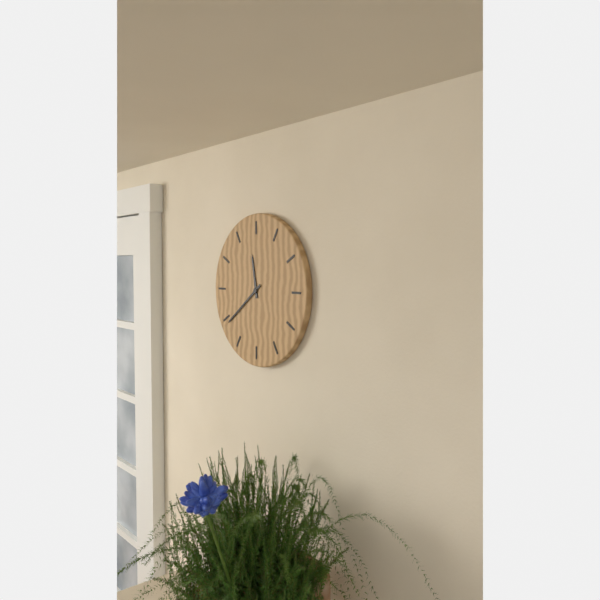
11:39
